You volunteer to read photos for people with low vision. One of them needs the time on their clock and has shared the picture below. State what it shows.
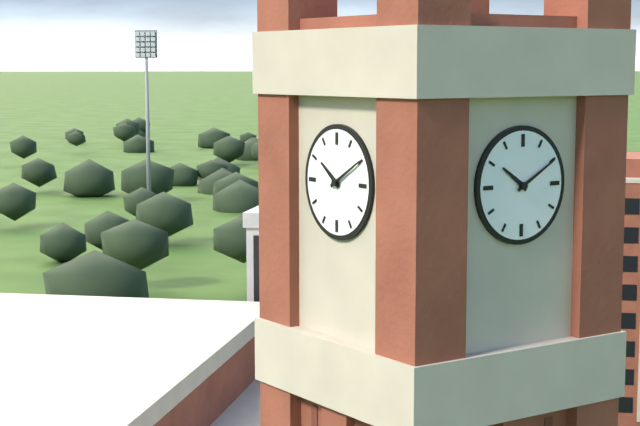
10:10
